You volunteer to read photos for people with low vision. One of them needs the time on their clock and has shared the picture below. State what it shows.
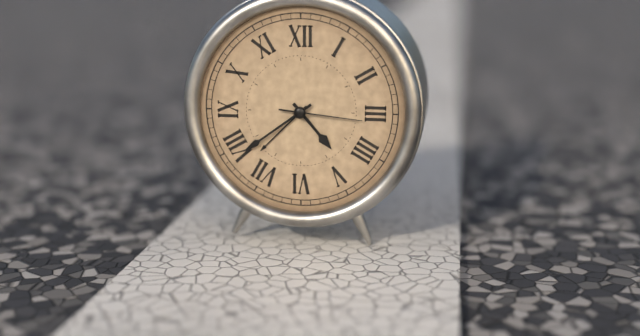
4:39:16
